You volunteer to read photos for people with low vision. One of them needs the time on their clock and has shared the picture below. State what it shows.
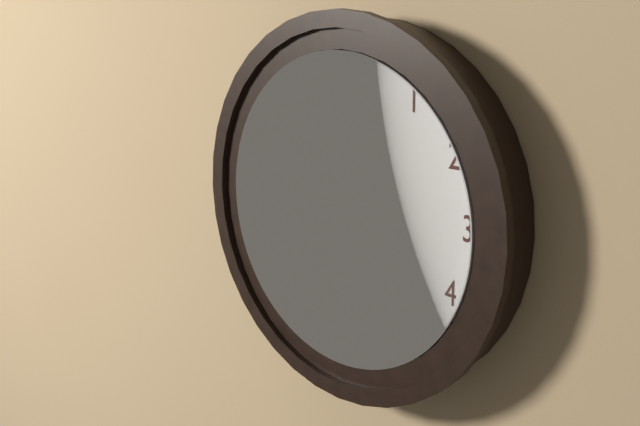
6:44
